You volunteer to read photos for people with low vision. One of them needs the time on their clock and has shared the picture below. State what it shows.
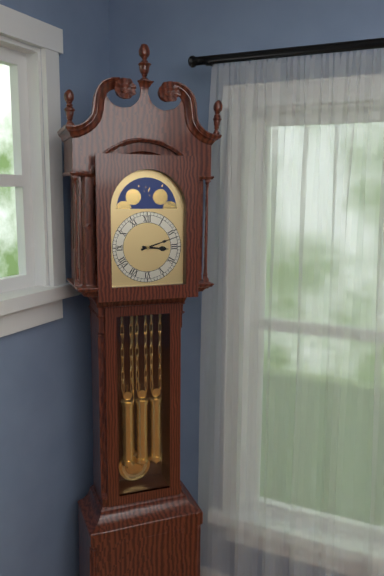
3:12
